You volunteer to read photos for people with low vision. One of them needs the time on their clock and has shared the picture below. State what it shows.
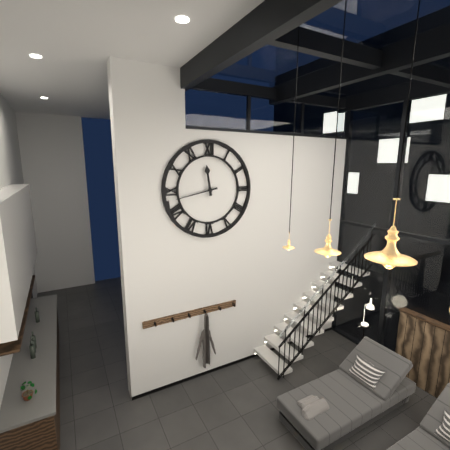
11:43
